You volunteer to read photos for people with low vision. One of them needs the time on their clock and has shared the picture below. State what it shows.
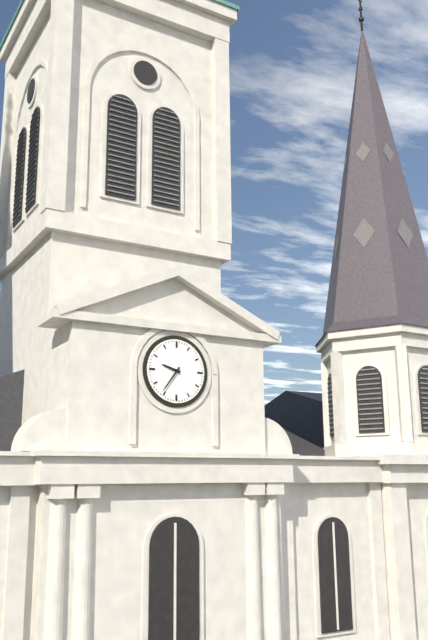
9:36
